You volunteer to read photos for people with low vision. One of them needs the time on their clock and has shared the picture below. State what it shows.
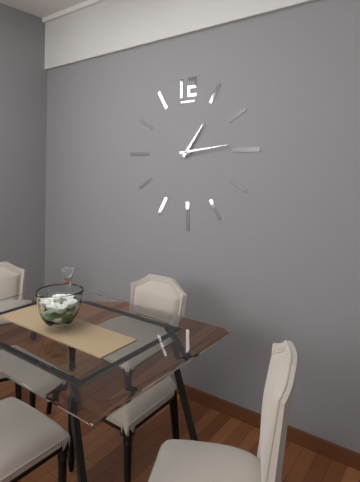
1:14
